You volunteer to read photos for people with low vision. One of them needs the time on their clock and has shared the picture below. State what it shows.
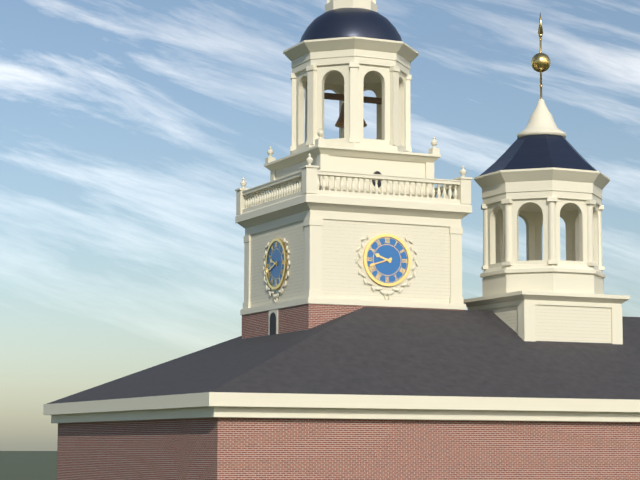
9:42
